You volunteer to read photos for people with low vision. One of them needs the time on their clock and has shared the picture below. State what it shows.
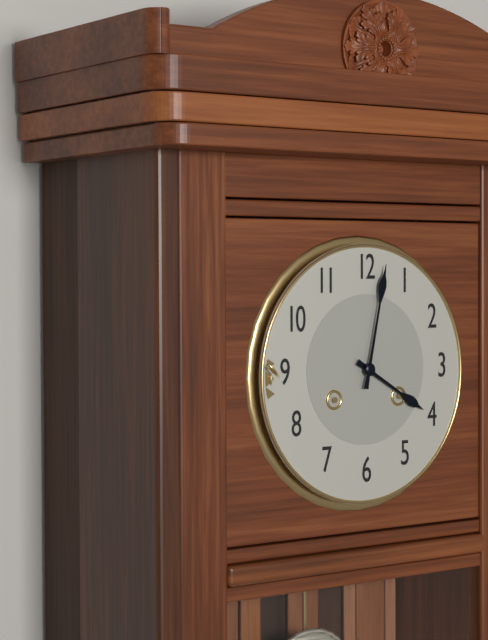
4:02
